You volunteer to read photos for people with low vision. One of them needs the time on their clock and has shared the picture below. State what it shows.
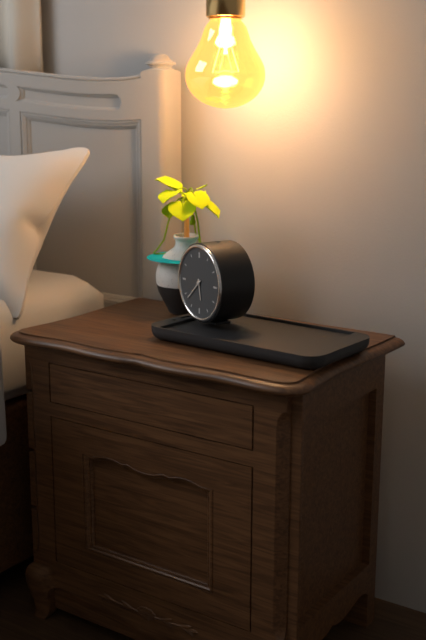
5:38
